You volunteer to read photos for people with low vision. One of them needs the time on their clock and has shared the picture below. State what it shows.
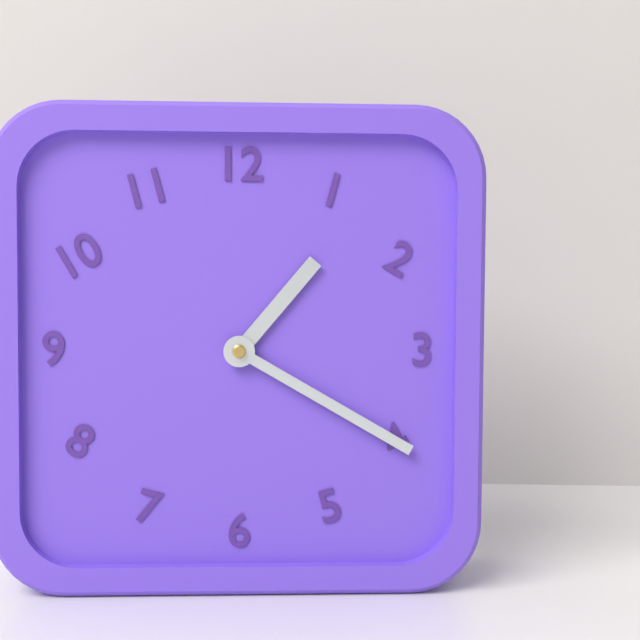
1:20
